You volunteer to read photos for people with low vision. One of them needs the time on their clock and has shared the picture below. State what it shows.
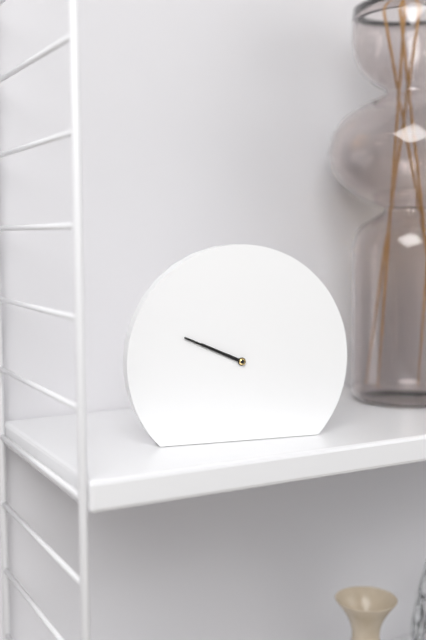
9:49
